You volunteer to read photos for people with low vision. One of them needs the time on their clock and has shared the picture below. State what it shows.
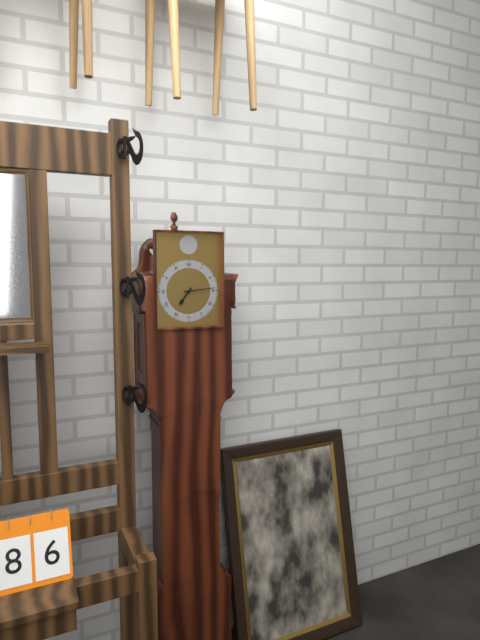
7:14
